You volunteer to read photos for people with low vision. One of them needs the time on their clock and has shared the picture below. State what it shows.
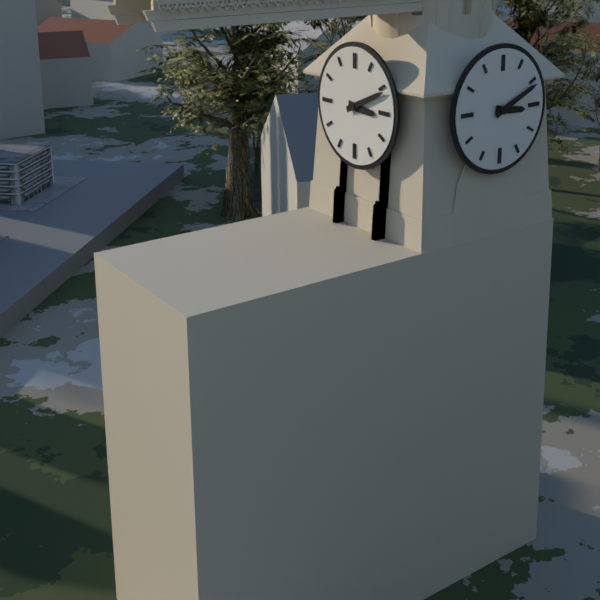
3:11
